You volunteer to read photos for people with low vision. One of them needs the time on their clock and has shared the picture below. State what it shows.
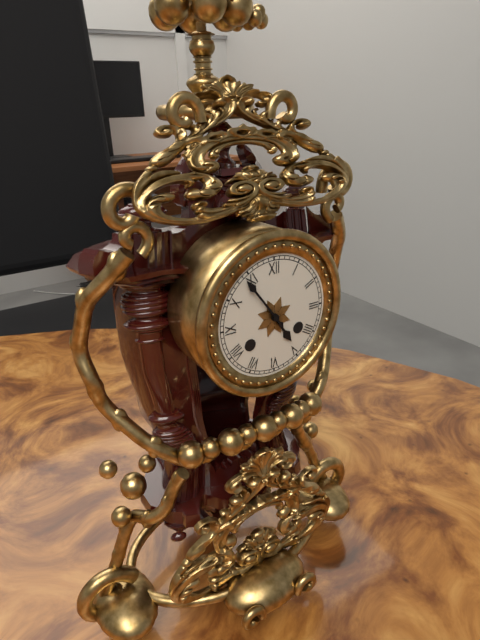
4:54
